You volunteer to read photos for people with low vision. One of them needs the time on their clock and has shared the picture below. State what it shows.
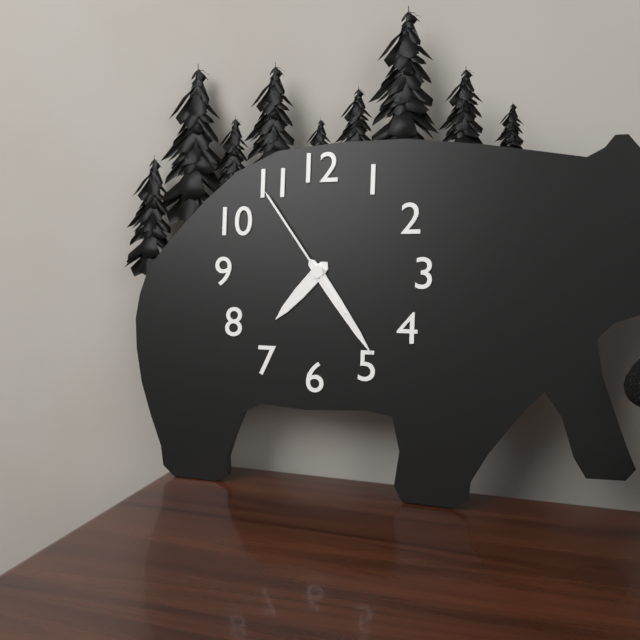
7:24:54
